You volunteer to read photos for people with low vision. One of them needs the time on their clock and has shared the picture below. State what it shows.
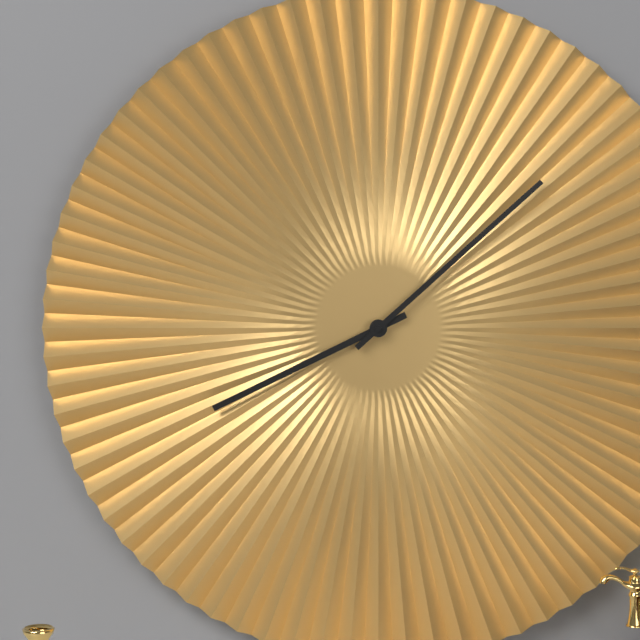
8:08
